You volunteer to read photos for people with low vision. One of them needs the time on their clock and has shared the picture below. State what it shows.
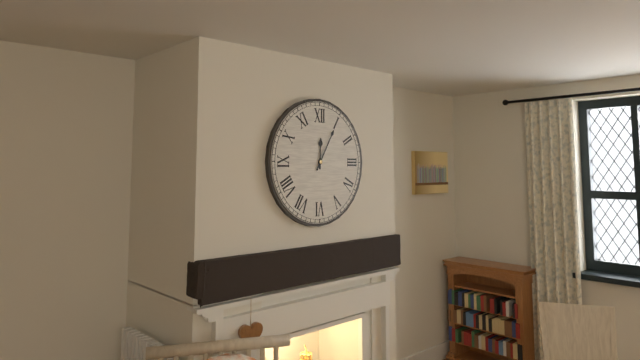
12:05
